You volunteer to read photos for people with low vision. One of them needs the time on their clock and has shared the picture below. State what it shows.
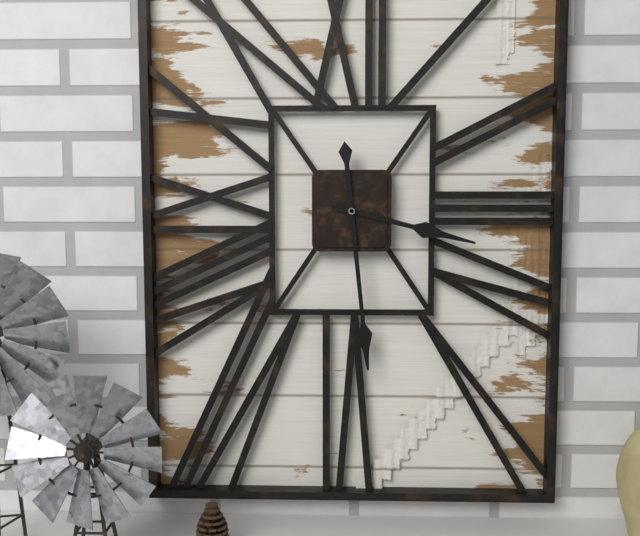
3:29
